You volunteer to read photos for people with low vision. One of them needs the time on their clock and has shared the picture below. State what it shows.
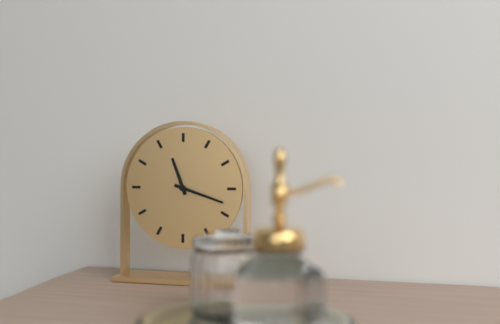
11:18
